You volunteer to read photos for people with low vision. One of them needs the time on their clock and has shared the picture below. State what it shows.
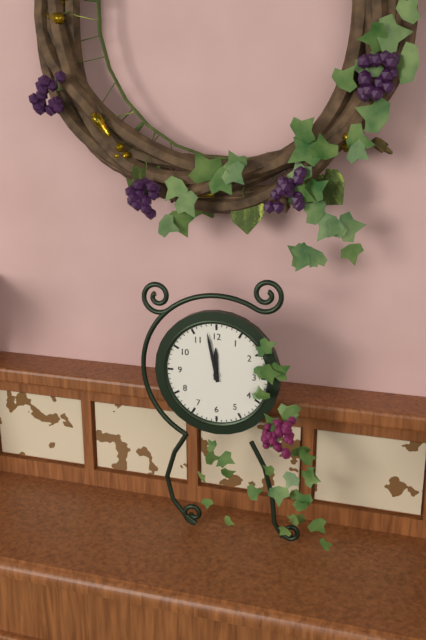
11:58
